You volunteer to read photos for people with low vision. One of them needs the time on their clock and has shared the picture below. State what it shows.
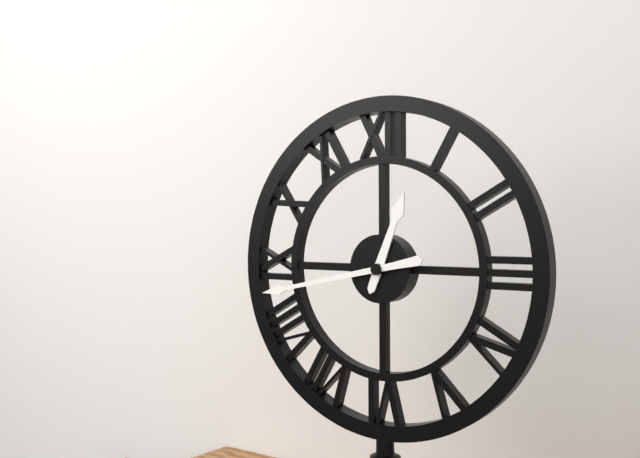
12:43
